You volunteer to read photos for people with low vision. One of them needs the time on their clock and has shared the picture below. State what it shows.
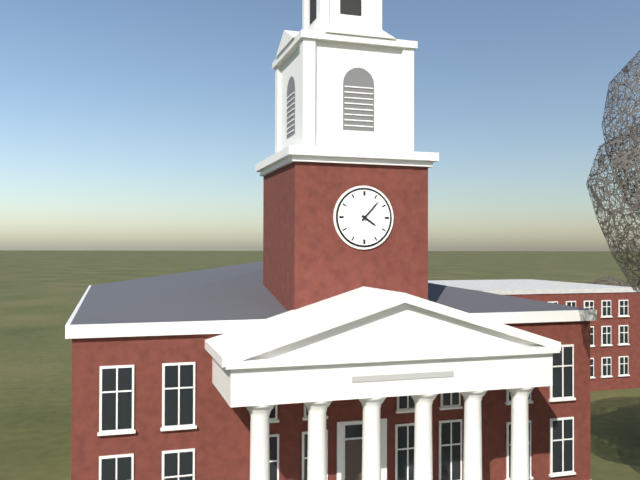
4:07
